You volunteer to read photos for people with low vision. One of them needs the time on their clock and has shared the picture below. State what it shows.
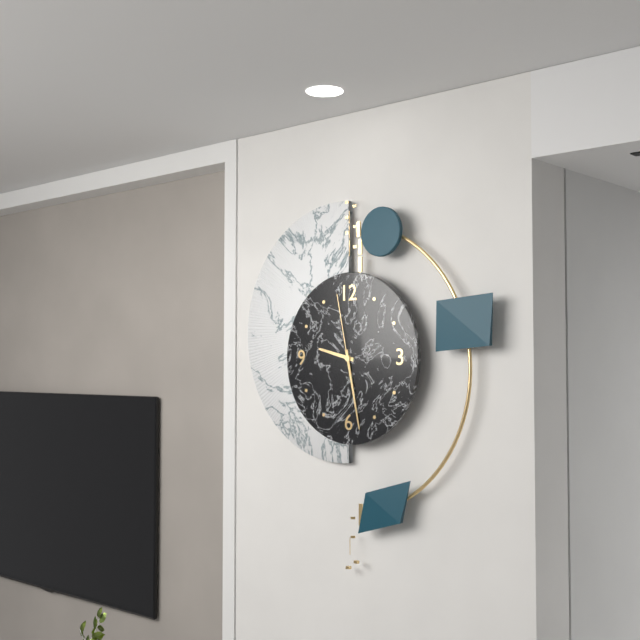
9:28:58
